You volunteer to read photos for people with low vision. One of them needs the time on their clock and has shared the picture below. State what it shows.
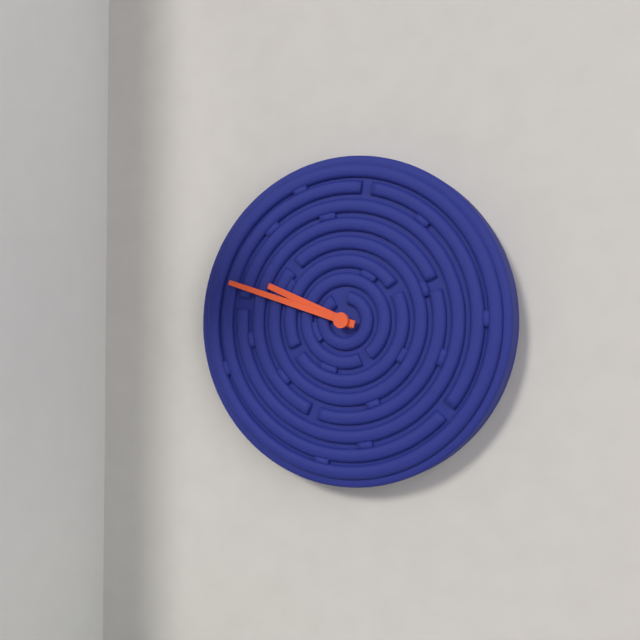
9:48
